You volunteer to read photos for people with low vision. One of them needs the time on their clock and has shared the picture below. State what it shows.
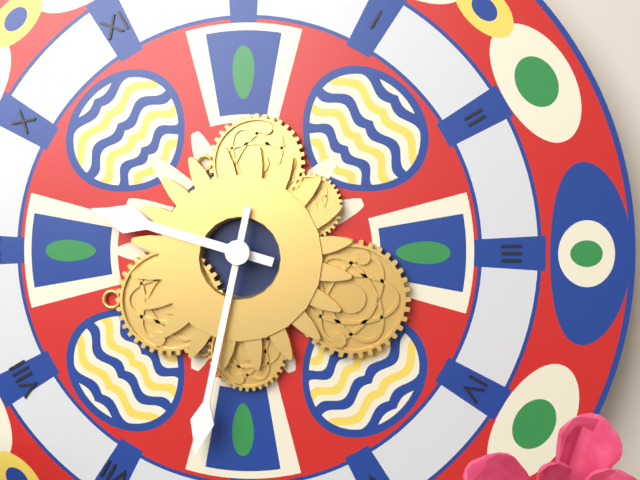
9:32
